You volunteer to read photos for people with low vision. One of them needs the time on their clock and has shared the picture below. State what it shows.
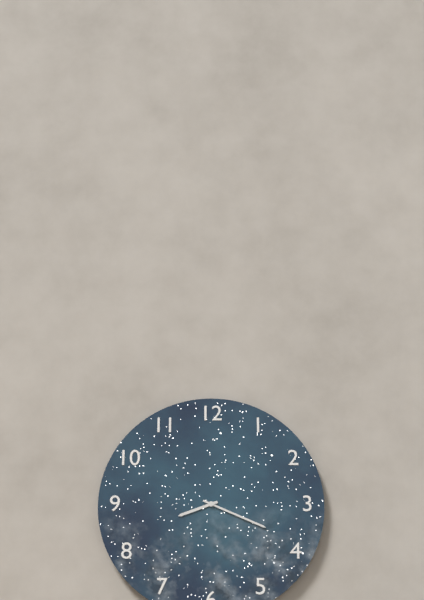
8:19
